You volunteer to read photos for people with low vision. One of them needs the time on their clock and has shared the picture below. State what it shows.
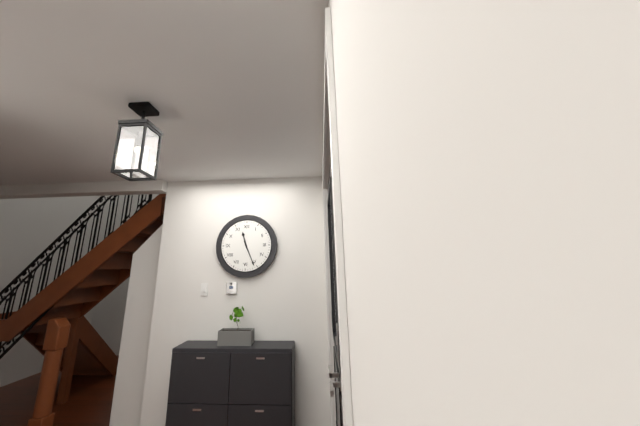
11:26
